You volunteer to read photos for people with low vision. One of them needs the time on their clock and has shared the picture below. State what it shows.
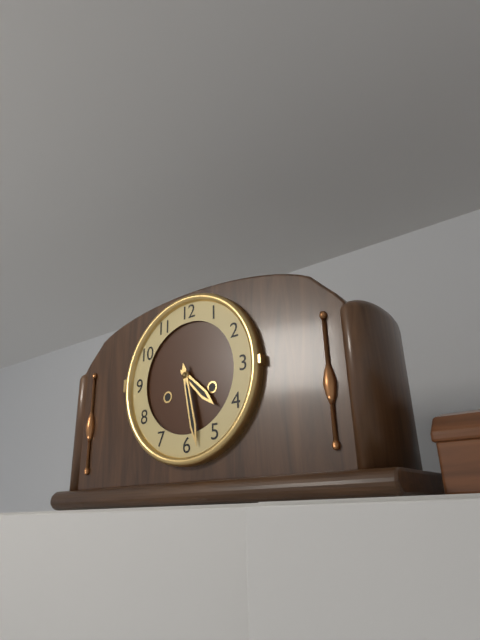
4:28
